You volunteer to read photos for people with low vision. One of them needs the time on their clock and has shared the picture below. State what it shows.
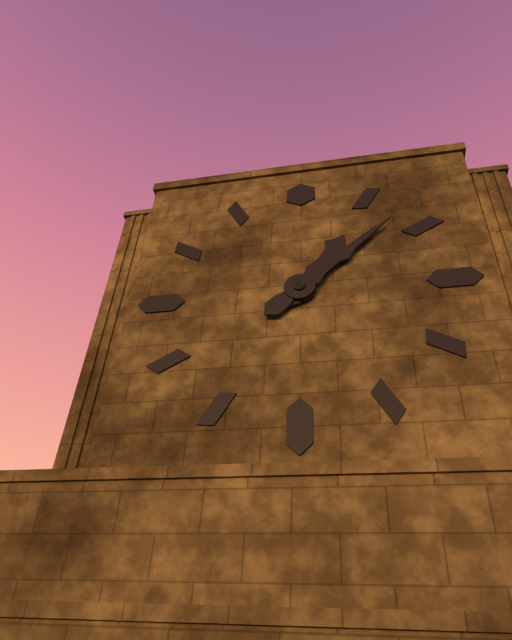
1:08
